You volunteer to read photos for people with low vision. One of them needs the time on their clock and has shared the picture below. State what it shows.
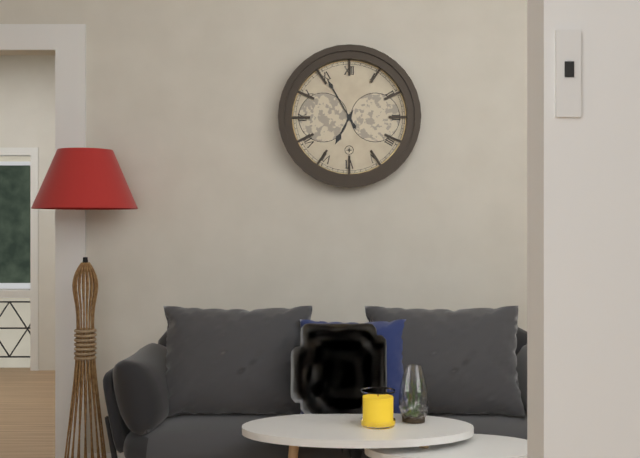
6:55
